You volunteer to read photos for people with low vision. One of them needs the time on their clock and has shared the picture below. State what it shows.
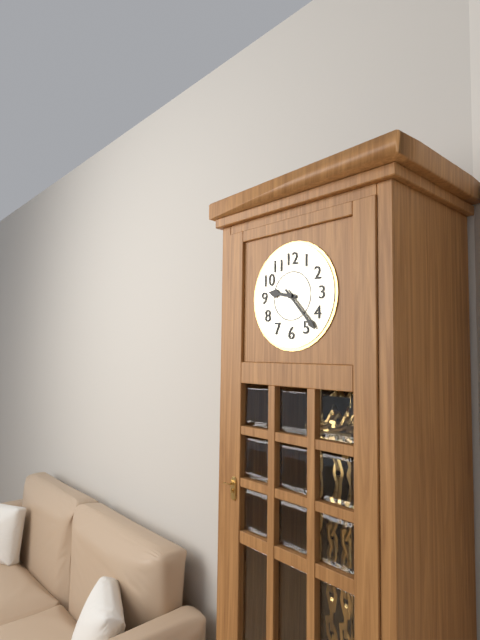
9:23
